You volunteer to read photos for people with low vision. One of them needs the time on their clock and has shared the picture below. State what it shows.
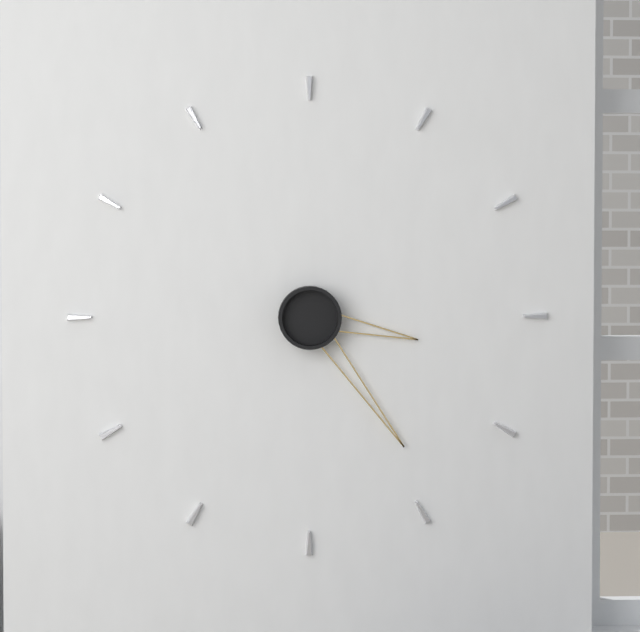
3:24
